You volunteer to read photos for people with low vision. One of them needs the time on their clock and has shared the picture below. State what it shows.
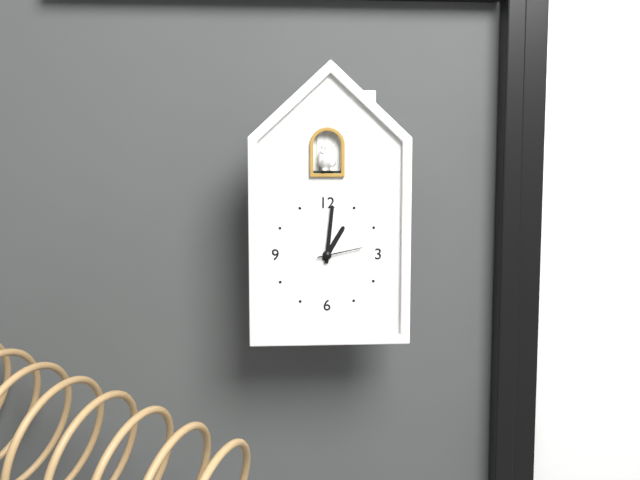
1:01:13
